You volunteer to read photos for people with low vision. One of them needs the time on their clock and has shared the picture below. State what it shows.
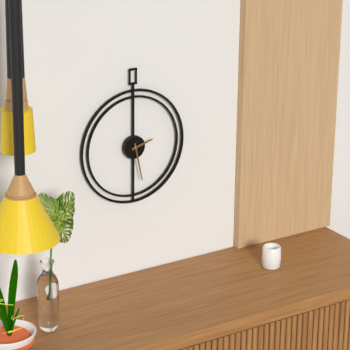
2:28
